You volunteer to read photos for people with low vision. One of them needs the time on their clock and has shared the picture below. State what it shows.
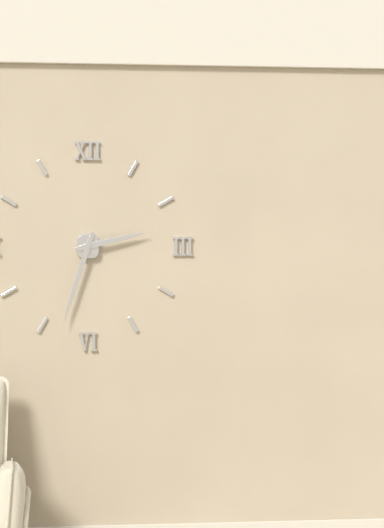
2:33
